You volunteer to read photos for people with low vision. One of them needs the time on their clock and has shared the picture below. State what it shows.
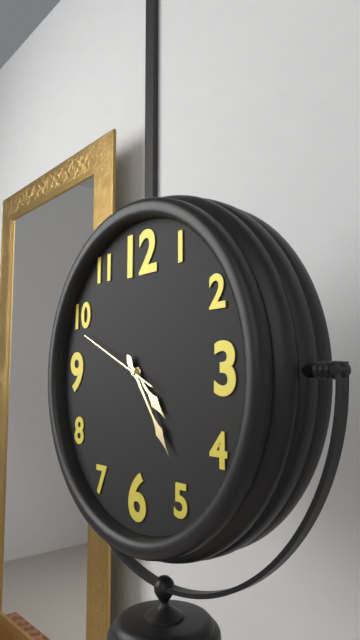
4:24:49
